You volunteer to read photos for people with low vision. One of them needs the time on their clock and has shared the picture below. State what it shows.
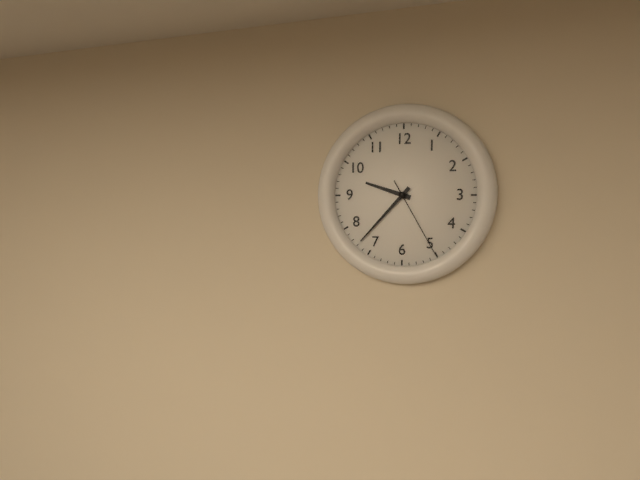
9:37:25
